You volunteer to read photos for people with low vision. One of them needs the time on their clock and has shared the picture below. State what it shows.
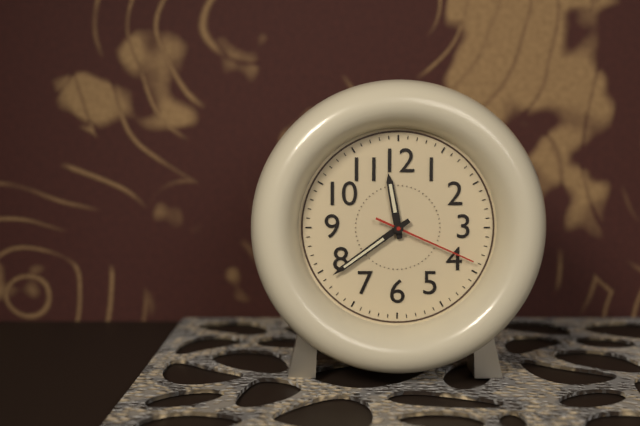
11:39:19
